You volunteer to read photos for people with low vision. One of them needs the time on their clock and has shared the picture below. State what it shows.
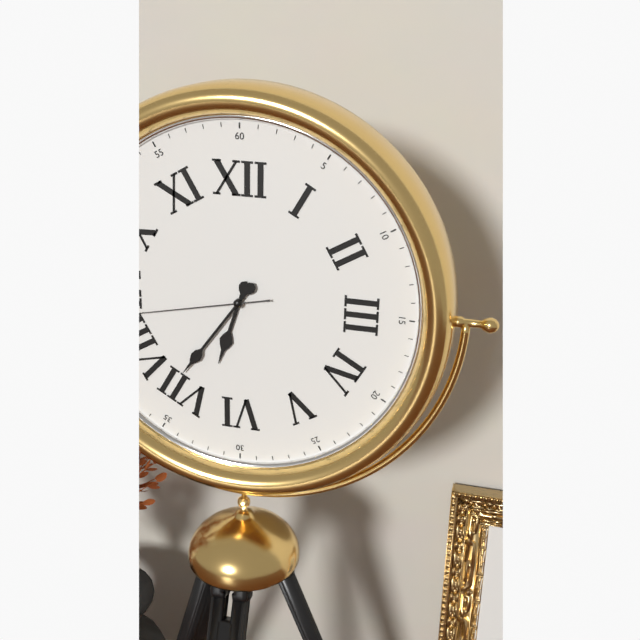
6:36
